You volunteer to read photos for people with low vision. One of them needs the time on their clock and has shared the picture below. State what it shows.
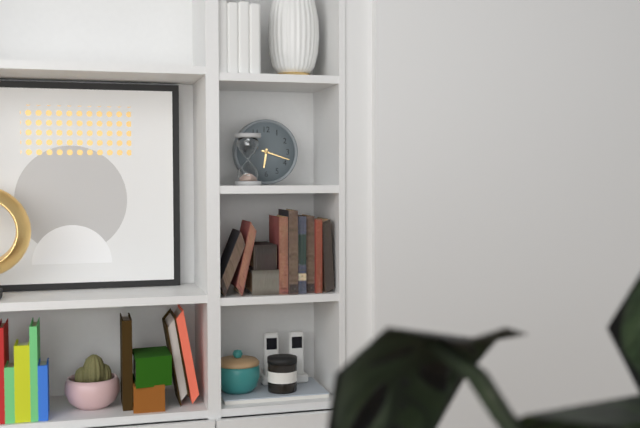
6:18
